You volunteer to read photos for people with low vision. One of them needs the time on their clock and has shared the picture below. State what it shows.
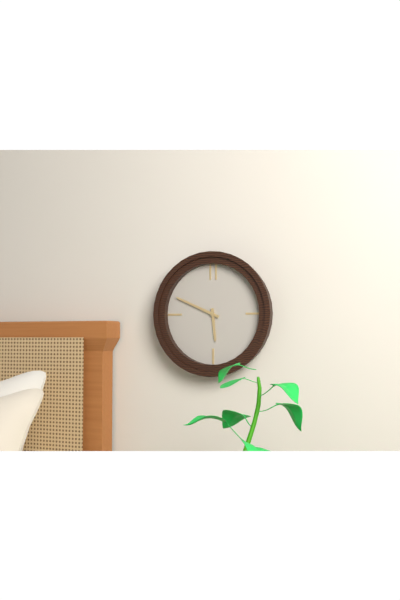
5:49
